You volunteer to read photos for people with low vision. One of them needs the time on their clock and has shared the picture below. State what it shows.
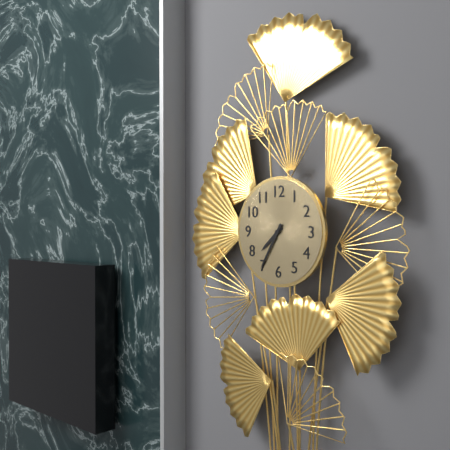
7:35
